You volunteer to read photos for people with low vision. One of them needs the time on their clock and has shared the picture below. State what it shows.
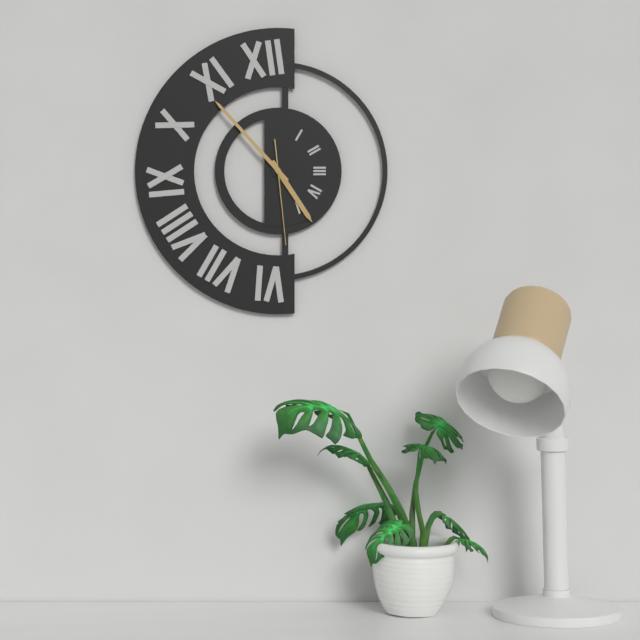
4:53:29
